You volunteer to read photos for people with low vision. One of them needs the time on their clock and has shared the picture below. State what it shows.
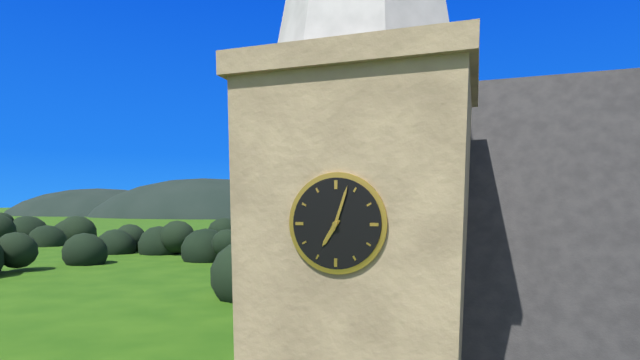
7:03
